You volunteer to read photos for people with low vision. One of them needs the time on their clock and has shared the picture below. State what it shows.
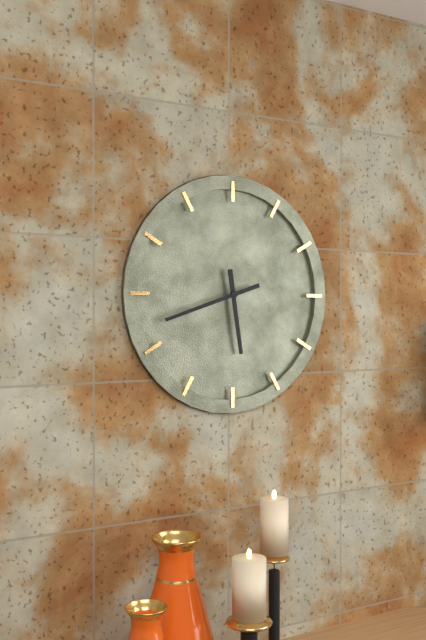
5:42
